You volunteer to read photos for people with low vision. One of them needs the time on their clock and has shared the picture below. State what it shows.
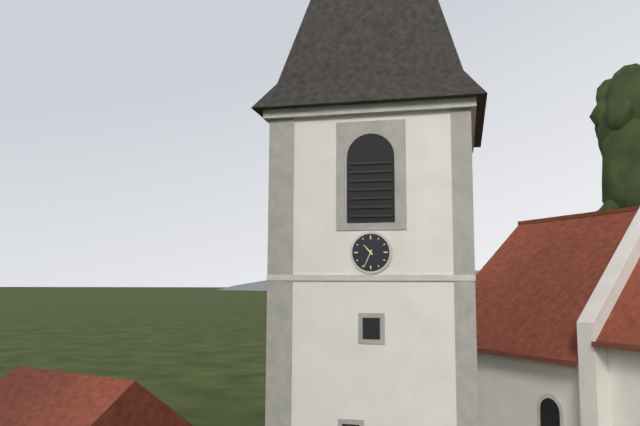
10:34
